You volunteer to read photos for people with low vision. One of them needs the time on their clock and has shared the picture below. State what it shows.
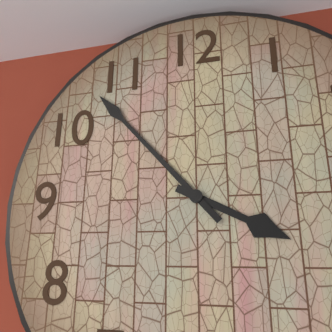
3:53
